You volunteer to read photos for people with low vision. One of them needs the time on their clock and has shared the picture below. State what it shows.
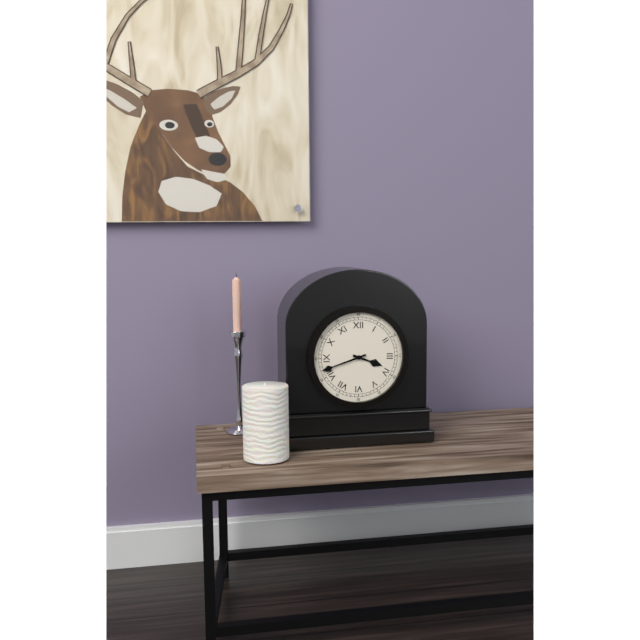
3:42
